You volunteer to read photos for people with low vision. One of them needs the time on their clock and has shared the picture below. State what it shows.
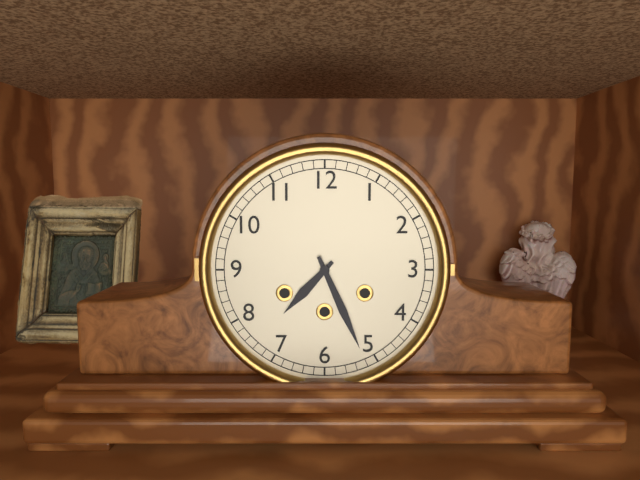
7:26
